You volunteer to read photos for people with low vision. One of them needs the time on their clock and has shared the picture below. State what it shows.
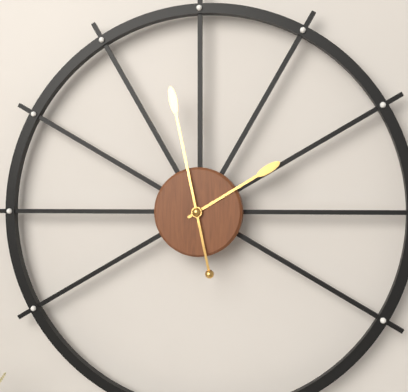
1:58
